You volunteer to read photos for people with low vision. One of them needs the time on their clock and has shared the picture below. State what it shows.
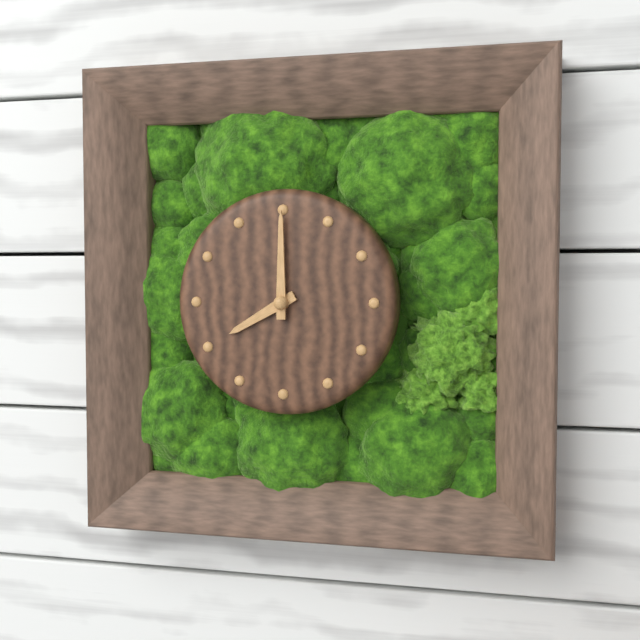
8:00
